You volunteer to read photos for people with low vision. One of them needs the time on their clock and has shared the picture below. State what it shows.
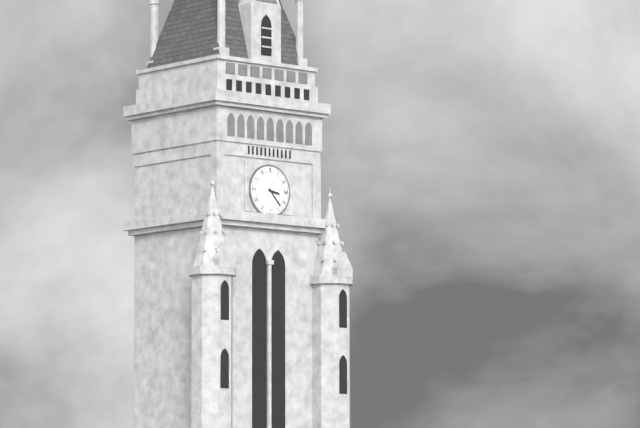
3:23
